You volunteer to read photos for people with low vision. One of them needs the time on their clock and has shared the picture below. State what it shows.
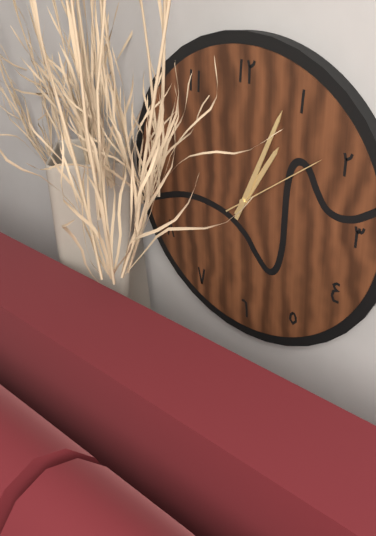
1:04:09
